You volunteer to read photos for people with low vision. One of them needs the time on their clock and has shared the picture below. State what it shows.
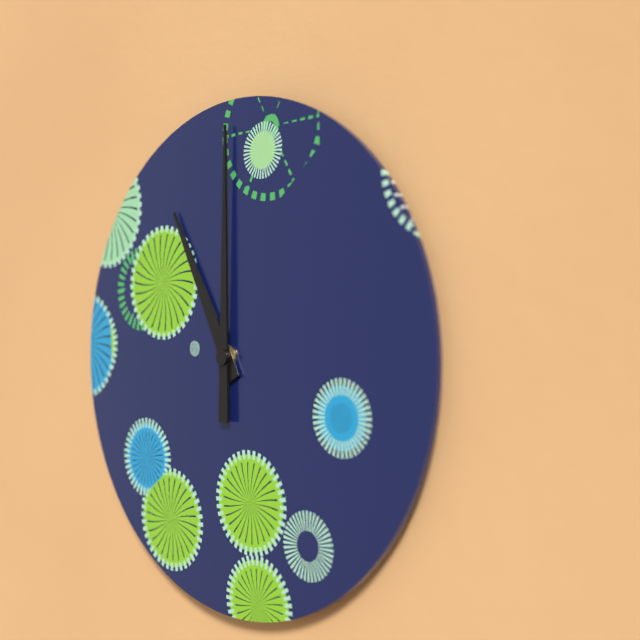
11:00
